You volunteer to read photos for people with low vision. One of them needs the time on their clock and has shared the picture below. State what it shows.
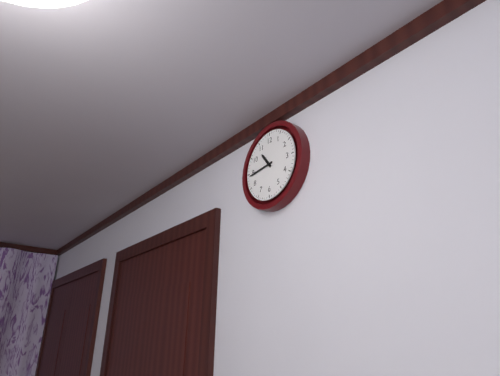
10:44
